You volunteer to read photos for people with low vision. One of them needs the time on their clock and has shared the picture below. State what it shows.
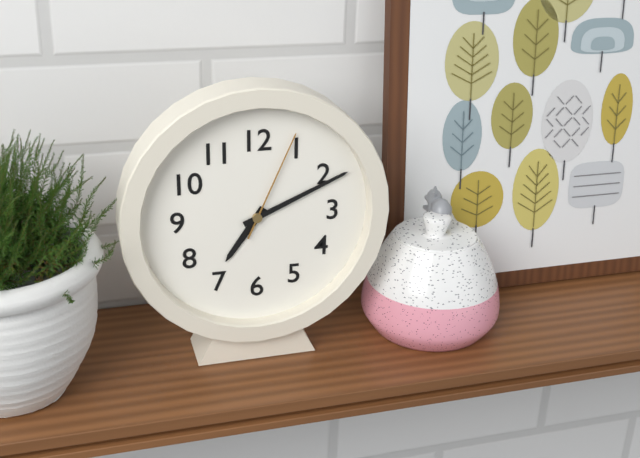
7:11:04
